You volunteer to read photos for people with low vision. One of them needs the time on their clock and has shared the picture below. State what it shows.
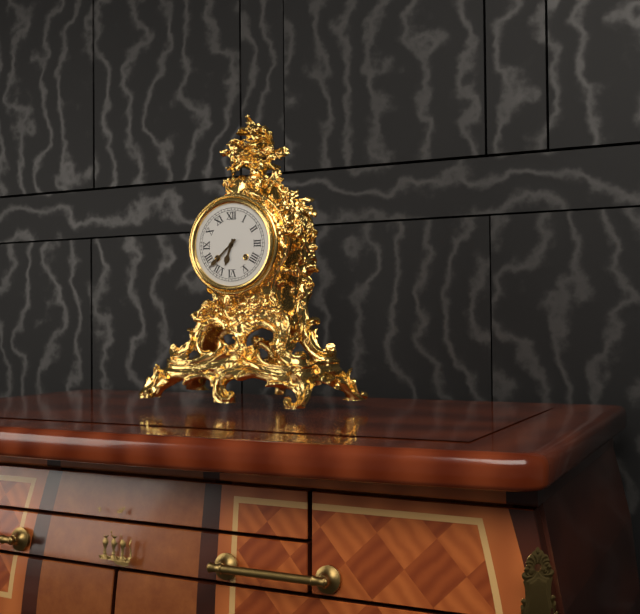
6:38
